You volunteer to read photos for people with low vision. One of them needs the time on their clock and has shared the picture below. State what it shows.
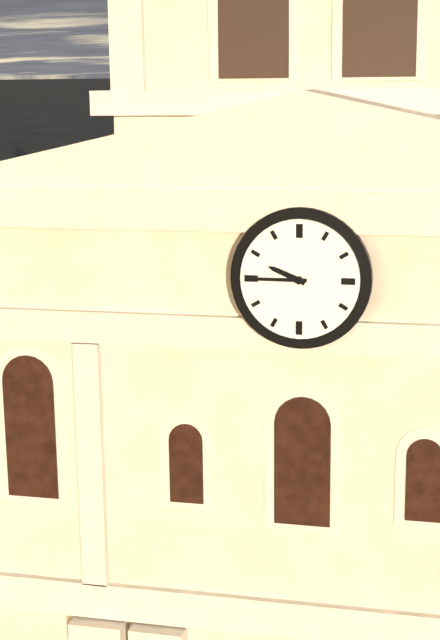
9:45
